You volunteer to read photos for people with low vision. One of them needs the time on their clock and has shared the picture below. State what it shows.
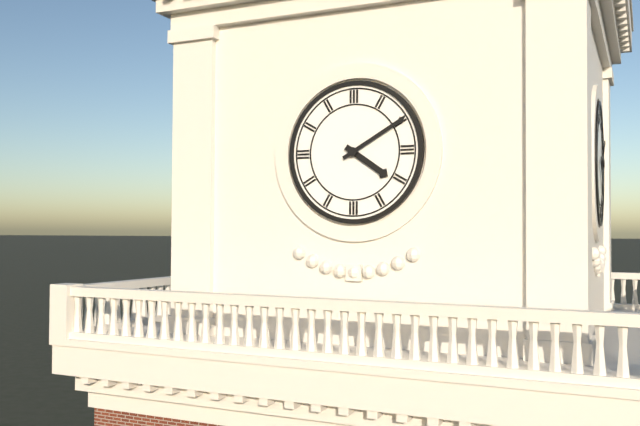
4:10
